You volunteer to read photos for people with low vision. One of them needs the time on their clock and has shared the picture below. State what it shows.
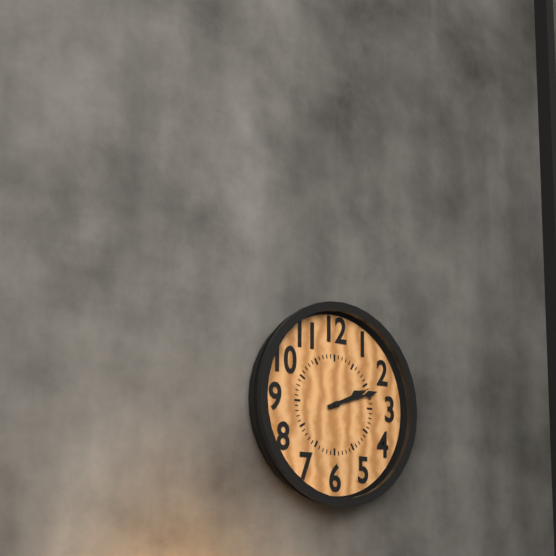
2:12
